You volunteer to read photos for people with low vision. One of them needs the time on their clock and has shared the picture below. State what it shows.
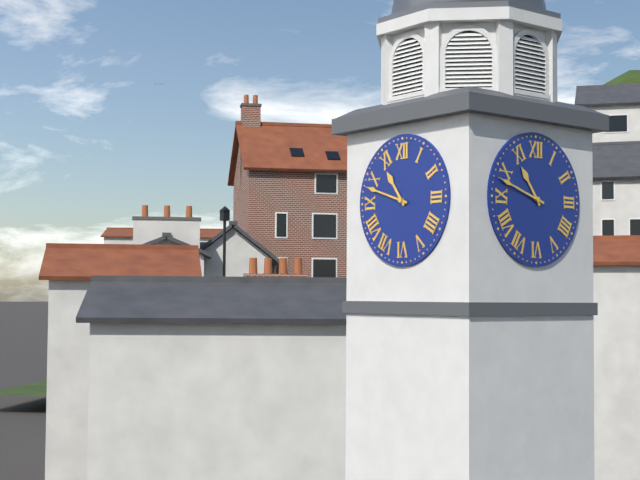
10:48
